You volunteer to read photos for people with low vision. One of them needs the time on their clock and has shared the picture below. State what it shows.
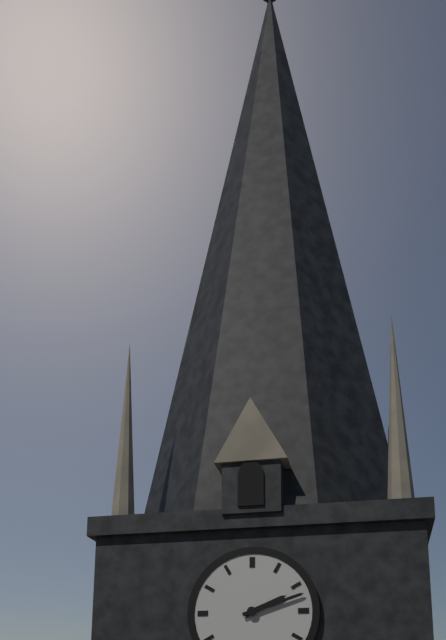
2:12
